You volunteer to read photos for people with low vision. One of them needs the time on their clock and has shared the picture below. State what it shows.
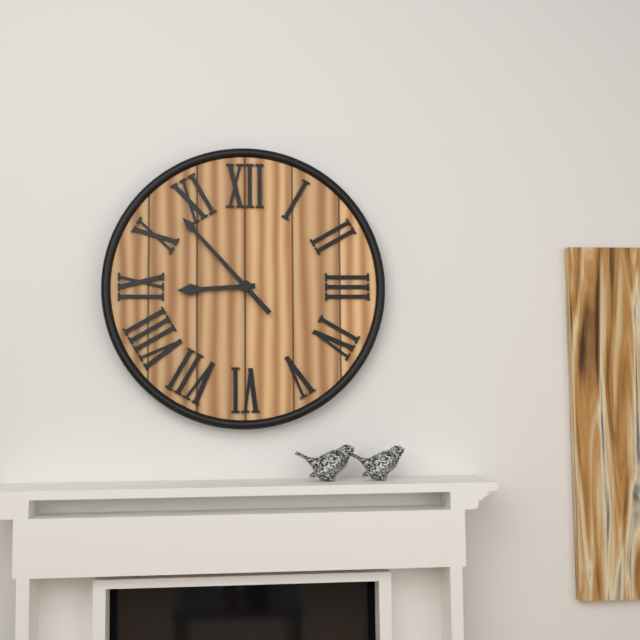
8:53
